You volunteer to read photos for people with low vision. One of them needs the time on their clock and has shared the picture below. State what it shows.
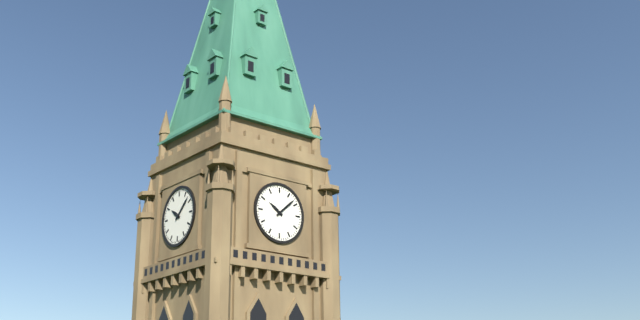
10:08
